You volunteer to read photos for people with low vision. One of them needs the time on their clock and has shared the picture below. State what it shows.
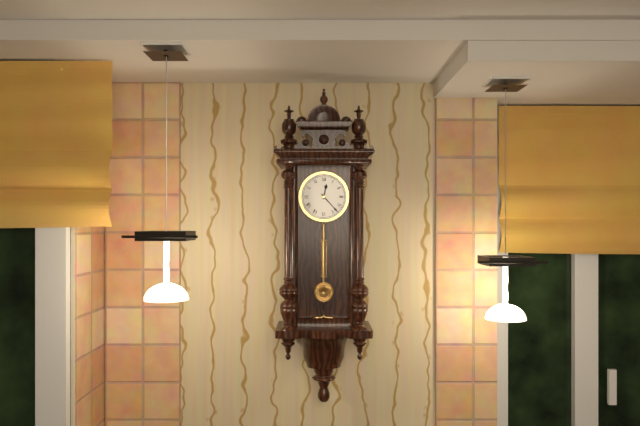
12:23
